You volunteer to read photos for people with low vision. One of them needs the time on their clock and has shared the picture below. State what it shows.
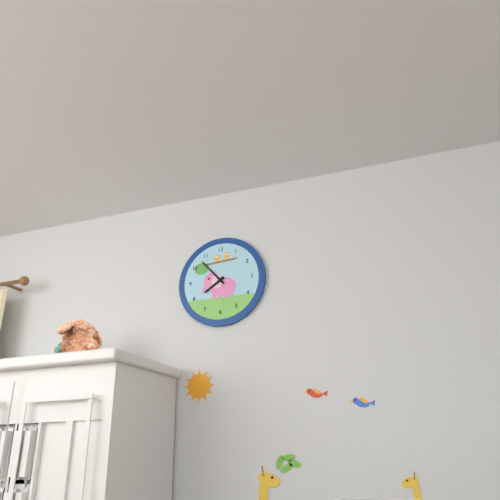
7:53
